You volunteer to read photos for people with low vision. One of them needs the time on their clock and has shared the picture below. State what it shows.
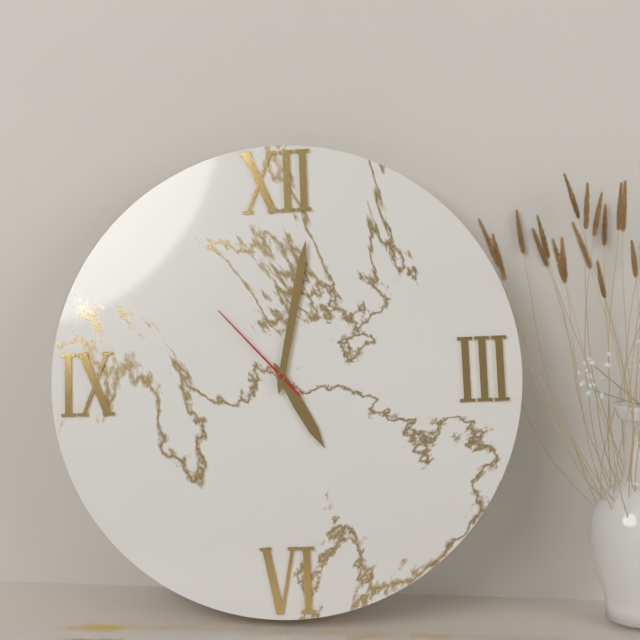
5:02:53
